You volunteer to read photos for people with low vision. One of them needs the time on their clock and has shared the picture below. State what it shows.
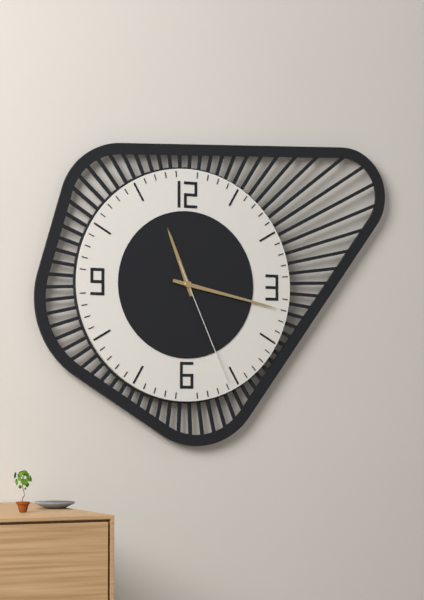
11:17:26
